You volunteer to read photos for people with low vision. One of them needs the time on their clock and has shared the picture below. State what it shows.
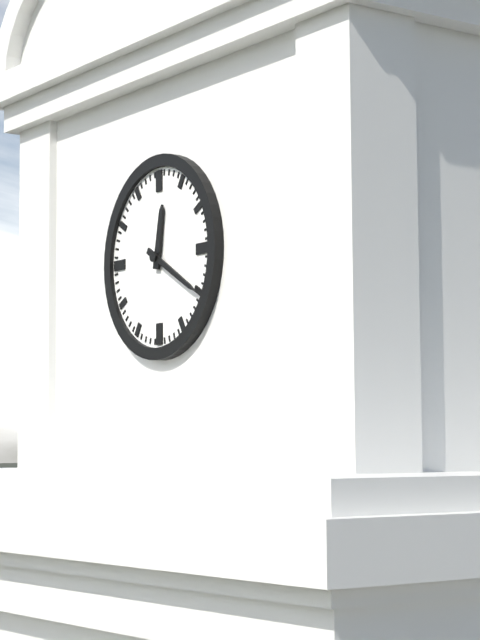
12:20
